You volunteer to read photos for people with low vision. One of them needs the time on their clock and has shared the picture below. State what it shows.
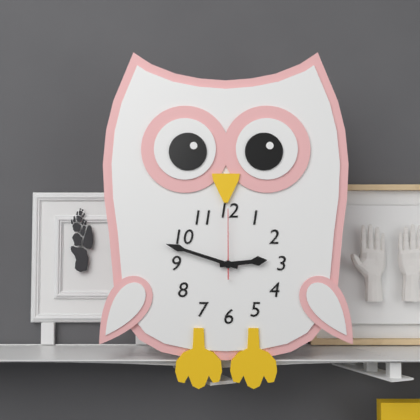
2:48:00
